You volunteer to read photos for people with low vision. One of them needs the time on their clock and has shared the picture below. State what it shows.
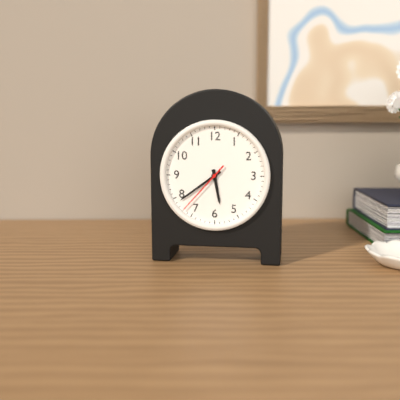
5:39:37
